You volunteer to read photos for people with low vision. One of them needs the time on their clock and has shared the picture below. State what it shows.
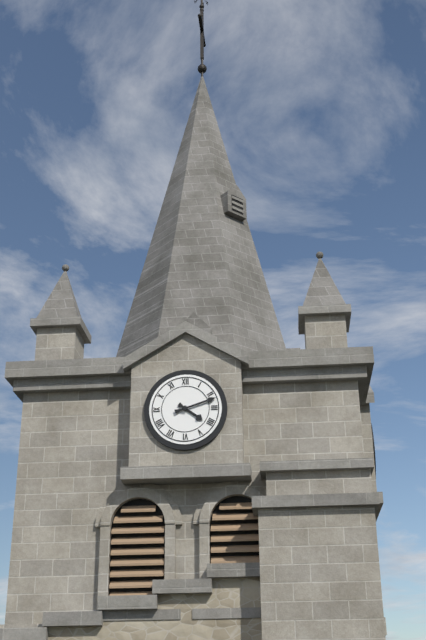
4:12
